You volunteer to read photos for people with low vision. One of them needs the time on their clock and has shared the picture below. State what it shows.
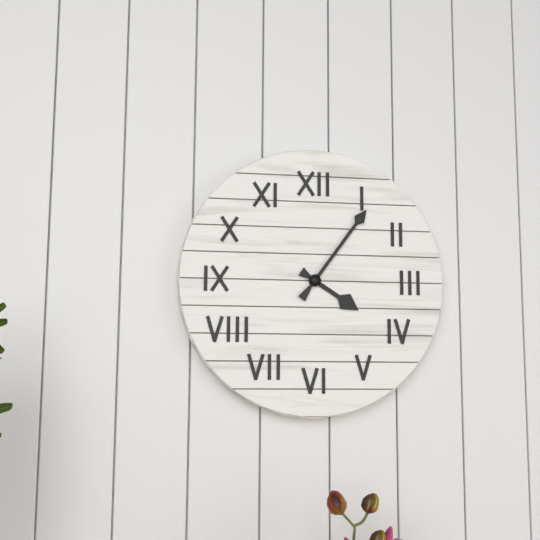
4:06
